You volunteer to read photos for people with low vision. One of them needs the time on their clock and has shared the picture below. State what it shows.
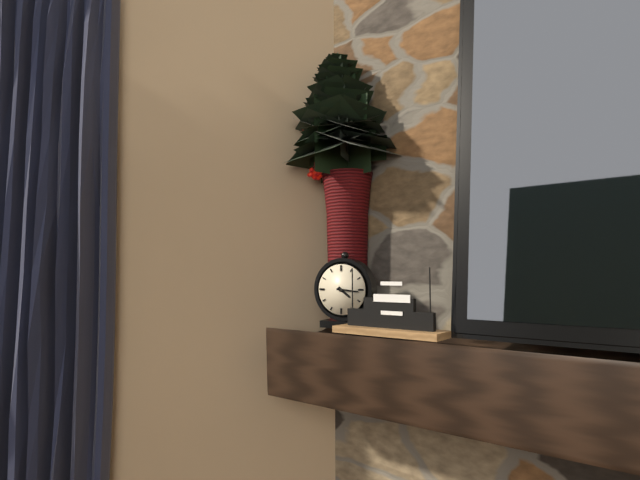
4:16
